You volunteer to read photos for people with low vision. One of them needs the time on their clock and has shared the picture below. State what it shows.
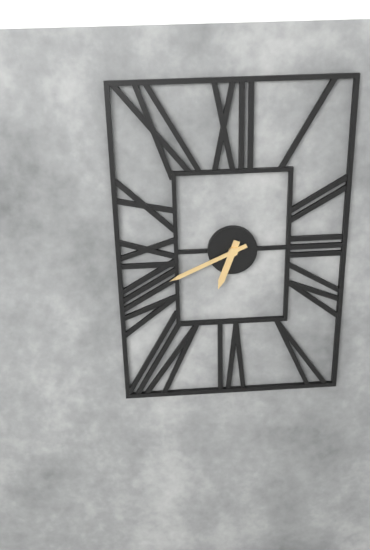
6:41
